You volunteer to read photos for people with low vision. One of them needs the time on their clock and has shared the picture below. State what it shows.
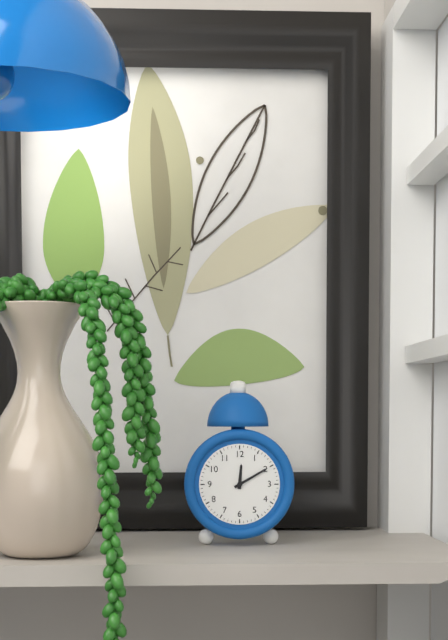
12:10
